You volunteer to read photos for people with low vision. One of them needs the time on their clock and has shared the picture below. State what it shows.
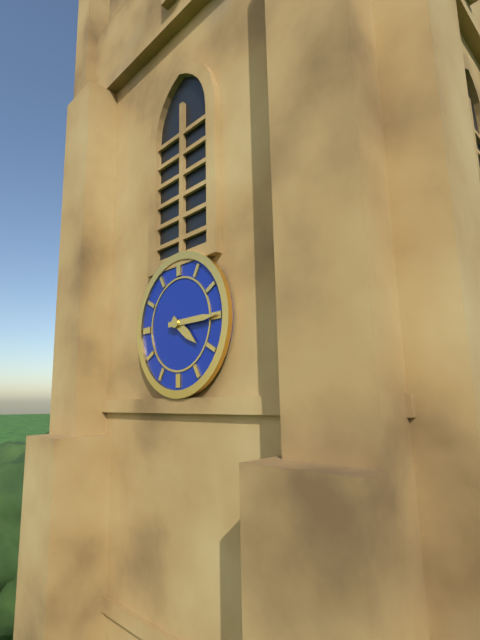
4:15
